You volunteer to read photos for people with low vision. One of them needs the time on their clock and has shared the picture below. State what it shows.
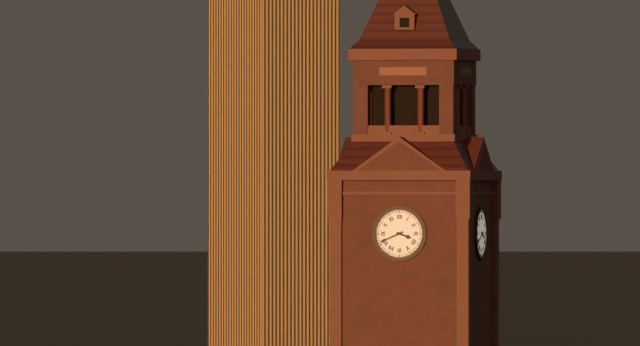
3:41
